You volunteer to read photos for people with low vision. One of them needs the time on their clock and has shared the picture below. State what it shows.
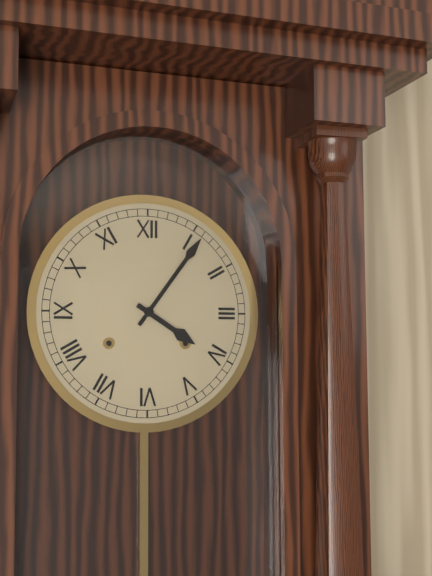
4:06
